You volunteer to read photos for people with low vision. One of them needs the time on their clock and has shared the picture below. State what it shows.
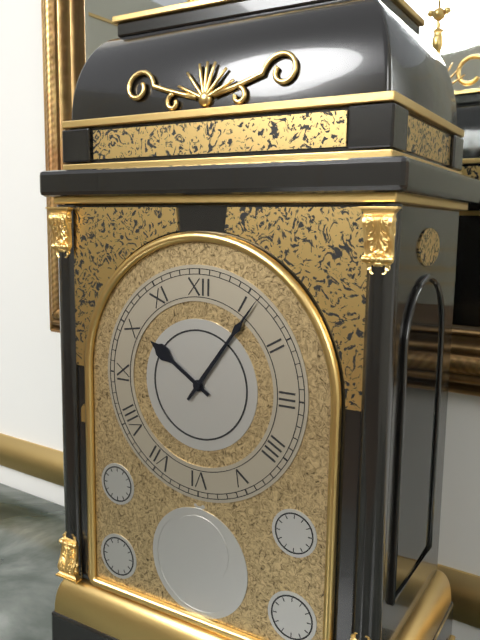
10:06
